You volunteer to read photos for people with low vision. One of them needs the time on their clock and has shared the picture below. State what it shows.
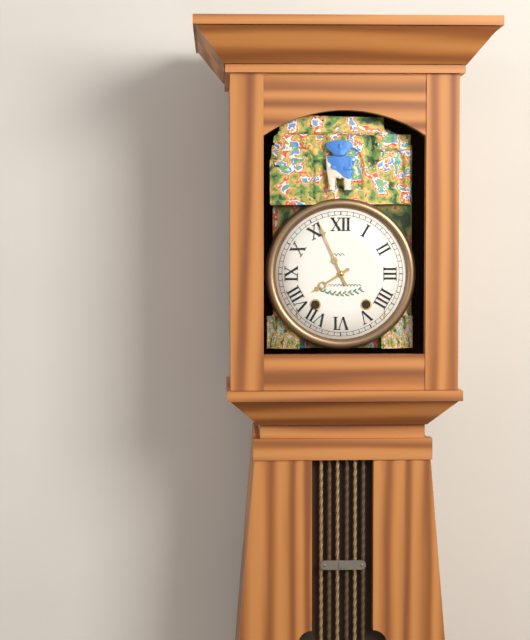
7:56
